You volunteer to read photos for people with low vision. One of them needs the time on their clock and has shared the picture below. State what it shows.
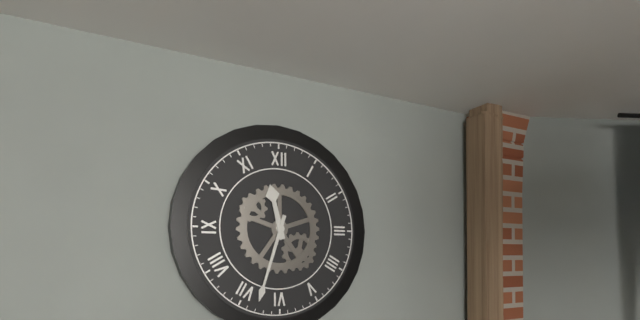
11:33
